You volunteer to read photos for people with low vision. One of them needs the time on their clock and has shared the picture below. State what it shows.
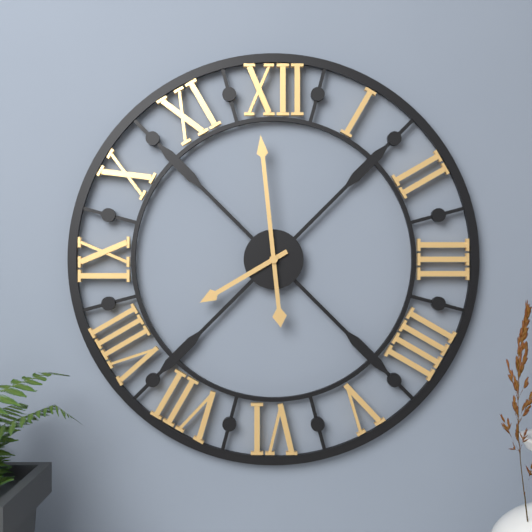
7:59
